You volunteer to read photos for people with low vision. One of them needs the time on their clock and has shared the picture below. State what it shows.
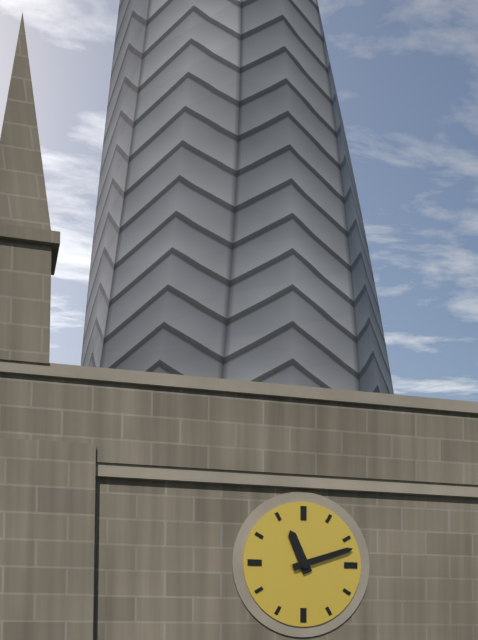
11:12
